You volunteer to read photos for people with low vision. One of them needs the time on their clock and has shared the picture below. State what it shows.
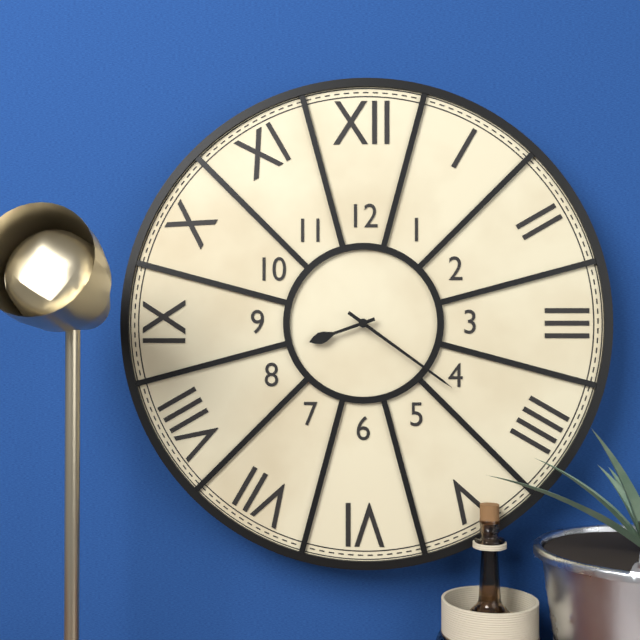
8:21
